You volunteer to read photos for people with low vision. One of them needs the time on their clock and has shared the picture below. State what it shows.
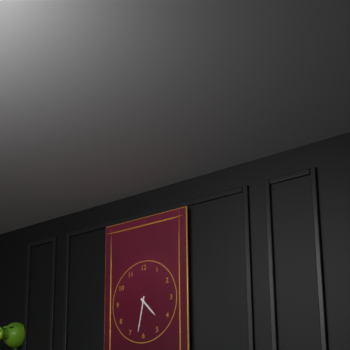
4:32
